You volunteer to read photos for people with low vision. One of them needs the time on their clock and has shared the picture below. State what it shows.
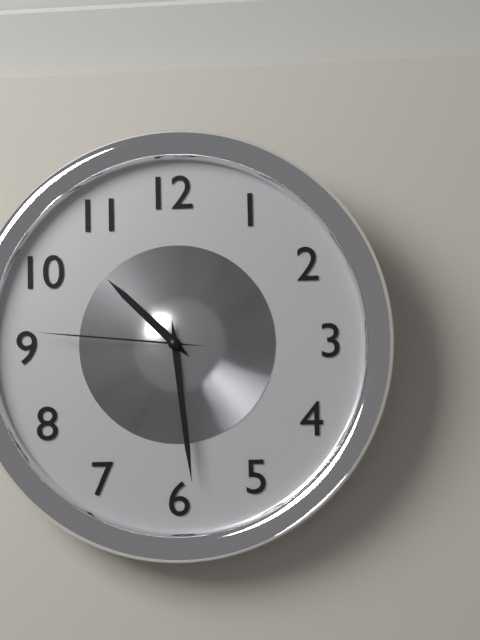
10:29:46
